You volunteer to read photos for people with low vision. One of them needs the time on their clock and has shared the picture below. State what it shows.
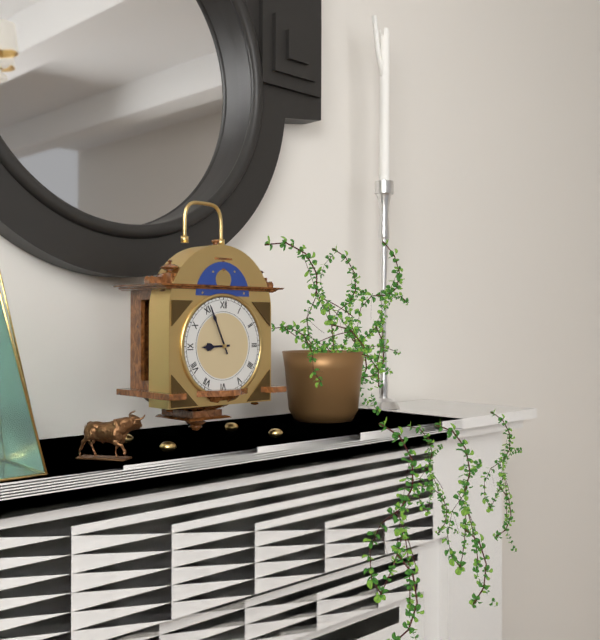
8:56
